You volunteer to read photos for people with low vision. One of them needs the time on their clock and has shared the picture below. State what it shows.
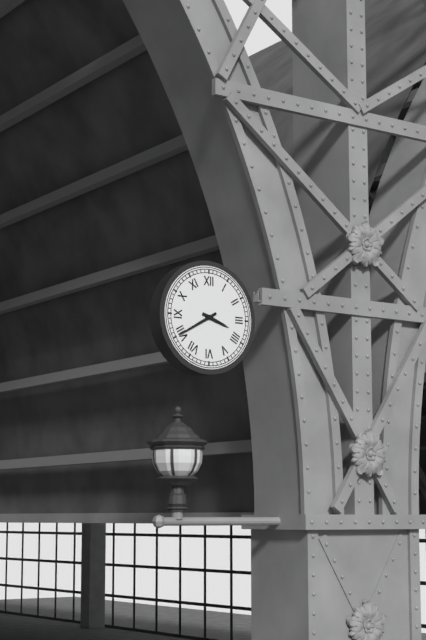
3:40
